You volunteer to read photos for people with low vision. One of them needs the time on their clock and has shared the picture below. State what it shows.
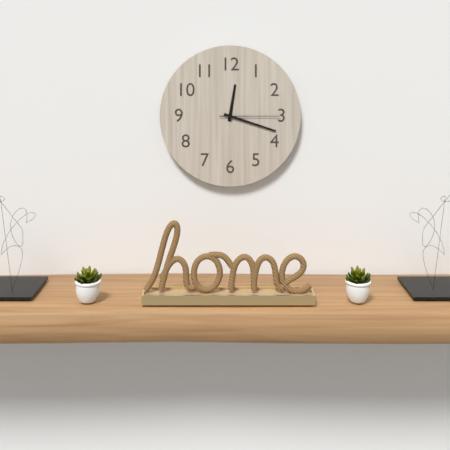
12:18:15
